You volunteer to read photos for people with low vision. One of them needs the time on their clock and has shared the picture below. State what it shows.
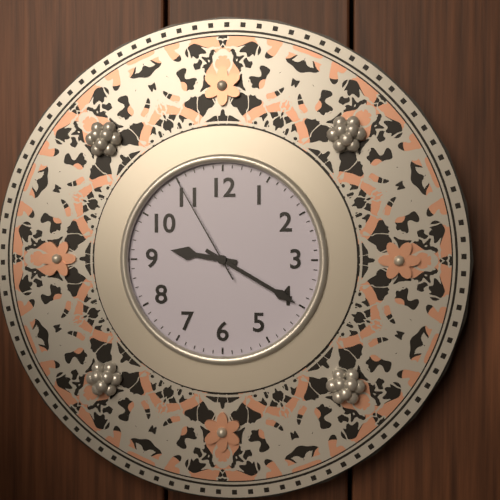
9:20:55
